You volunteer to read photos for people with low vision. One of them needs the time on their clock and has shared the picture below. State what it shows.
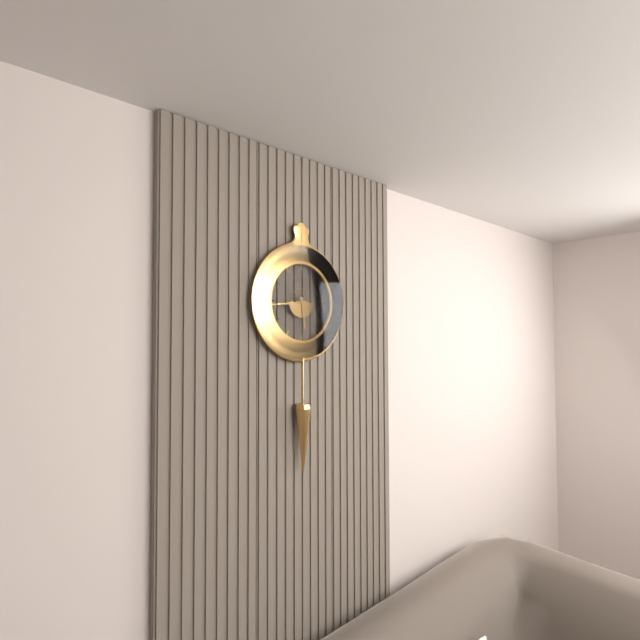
5:44
